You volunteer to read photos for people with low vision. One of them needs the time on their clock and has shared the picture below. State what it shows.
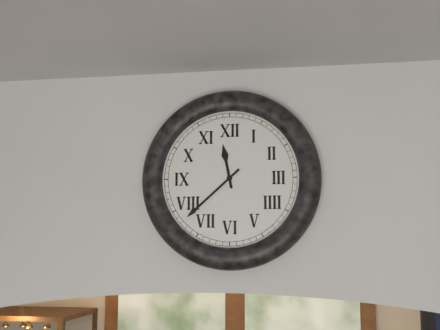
11:38
